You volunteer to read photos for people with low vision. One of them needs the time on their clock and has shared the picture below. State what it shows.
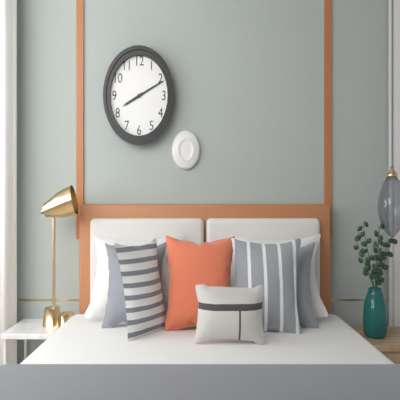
8:11
